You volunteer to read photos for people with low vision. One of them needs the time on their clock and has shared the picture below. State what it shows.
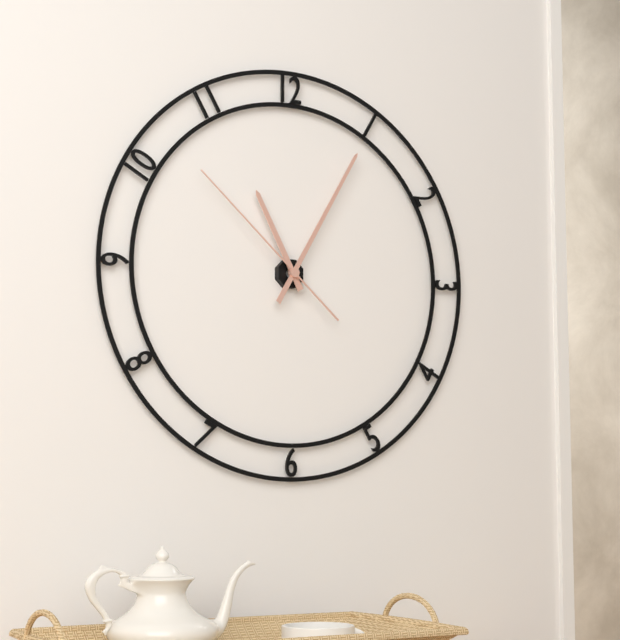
11:05:52
